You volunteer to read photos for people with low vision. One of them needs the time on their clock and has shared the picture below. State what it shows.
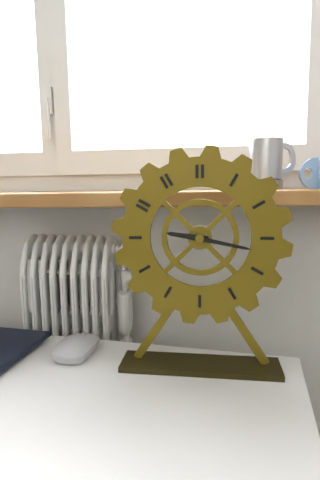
9:17
